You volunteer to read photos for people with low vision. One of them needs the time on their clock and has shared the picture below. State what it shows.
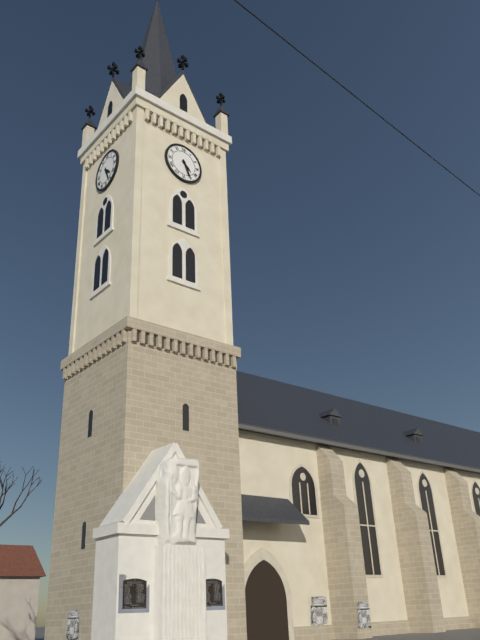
4:26
